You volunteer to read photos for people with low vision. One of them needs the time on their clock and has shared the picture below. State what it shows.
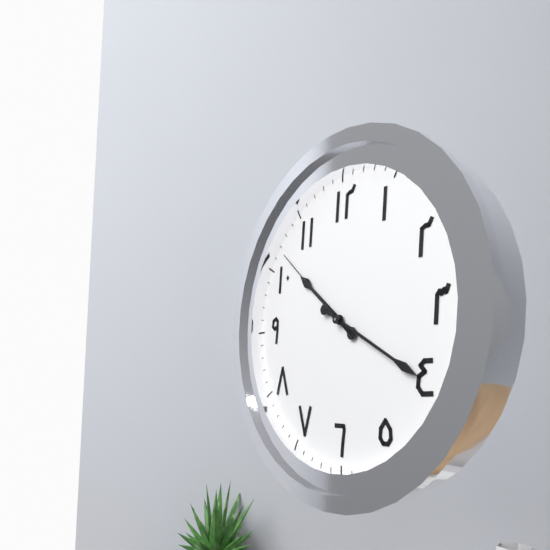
10:20:52
